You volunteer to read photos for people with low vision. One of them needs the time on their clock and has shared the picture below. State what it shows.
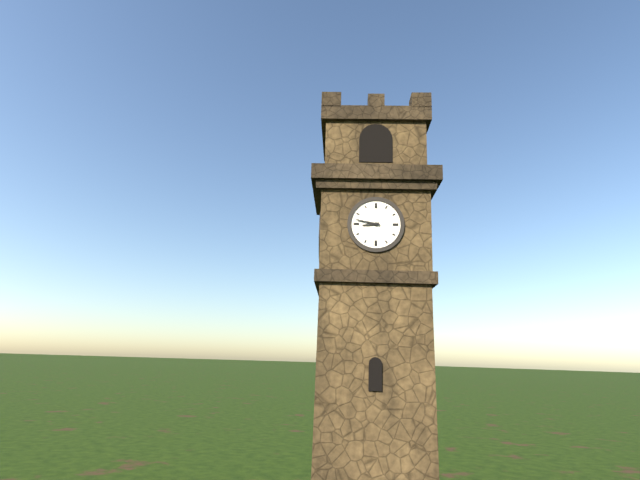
8:47
